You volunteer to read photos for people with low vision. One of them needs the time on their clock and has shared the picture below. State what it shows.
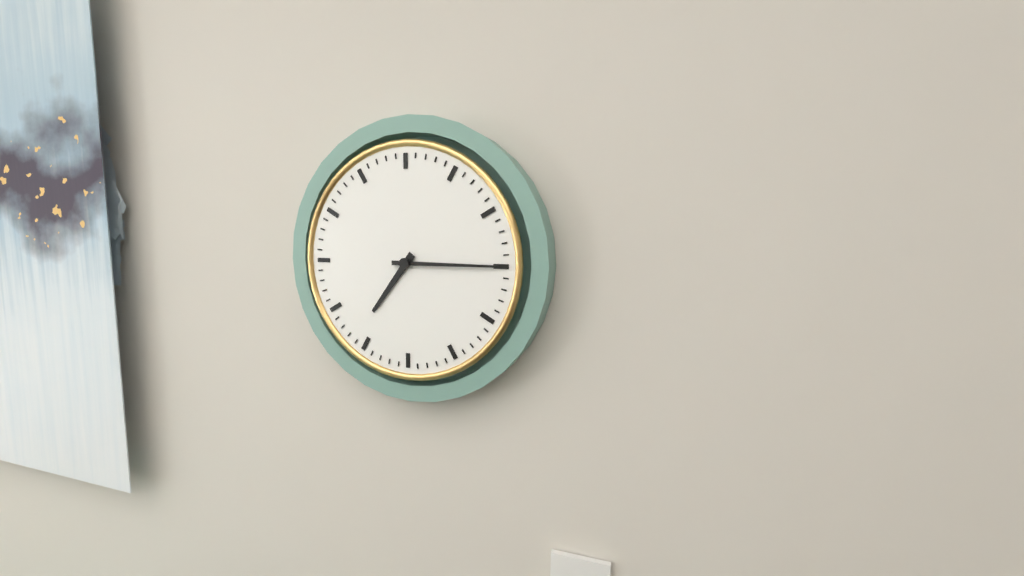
7:15
